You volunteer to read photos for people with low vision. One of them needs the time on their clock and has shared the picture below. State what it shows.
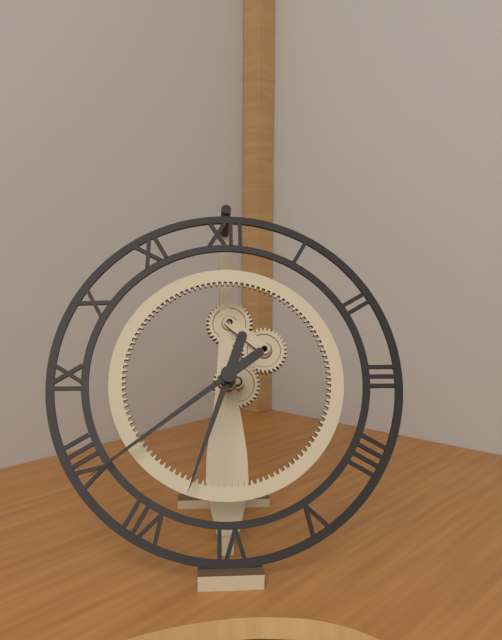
6:39
